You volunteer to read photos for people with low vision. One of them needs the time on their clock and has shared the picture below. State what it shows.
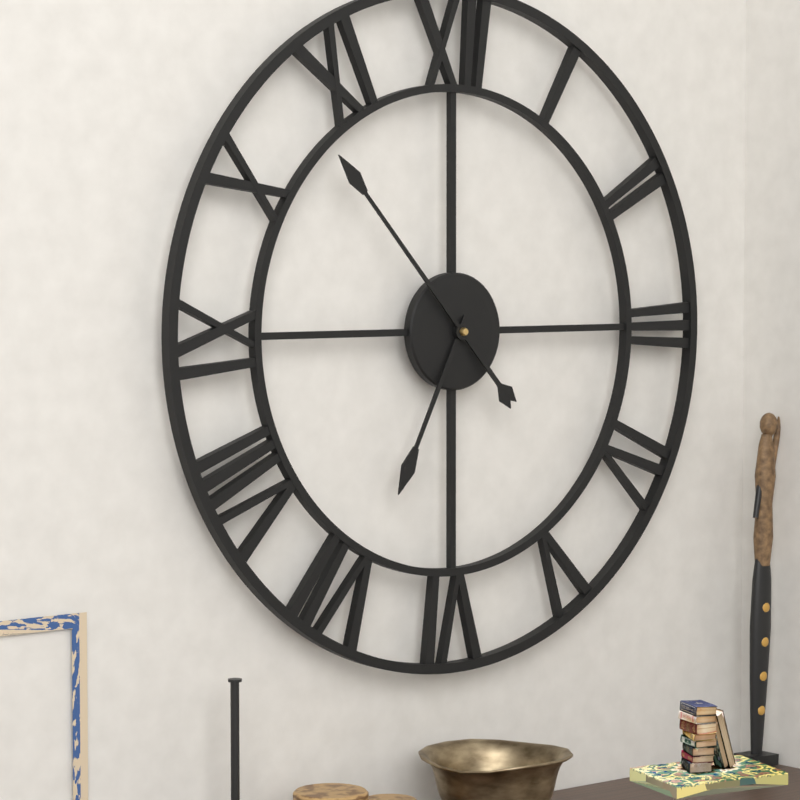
6:53
